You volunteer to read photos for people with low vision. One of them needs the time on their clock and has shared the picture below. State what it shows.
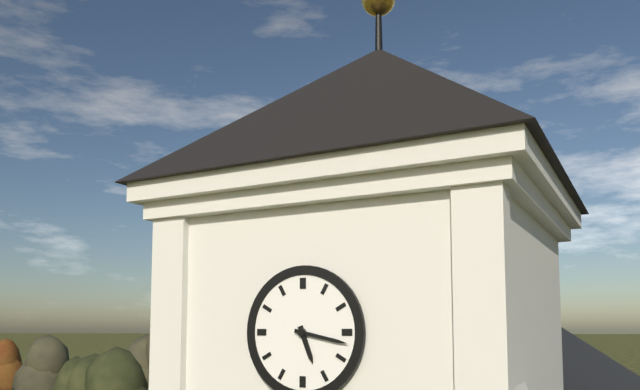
5:17
